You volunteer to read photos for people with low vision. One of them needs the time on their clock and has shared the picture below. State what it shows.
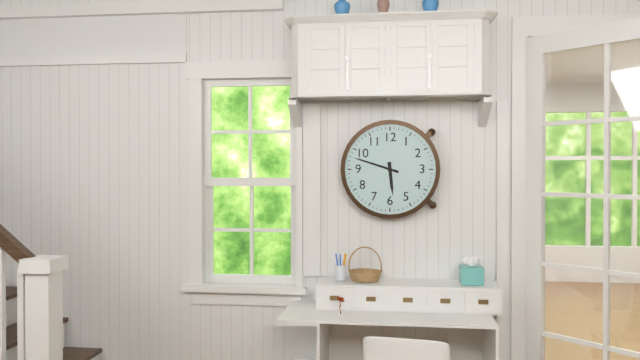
5:48
